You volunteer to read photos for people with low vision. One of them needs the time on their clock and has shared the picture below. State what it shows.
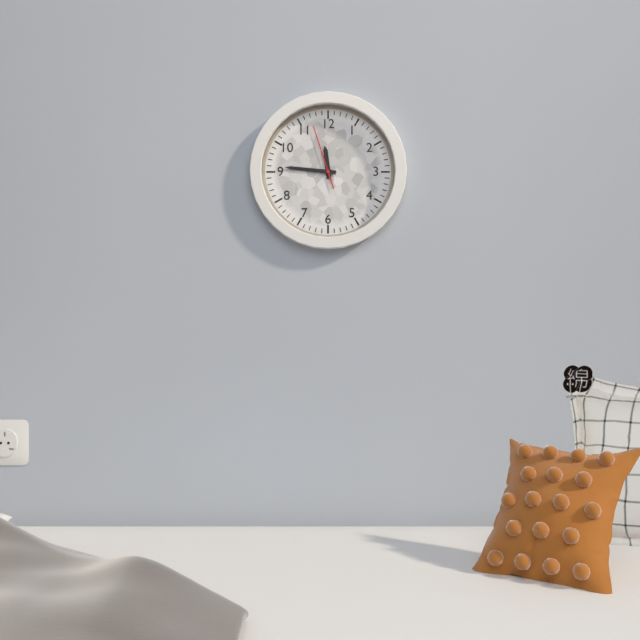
11:46:57
